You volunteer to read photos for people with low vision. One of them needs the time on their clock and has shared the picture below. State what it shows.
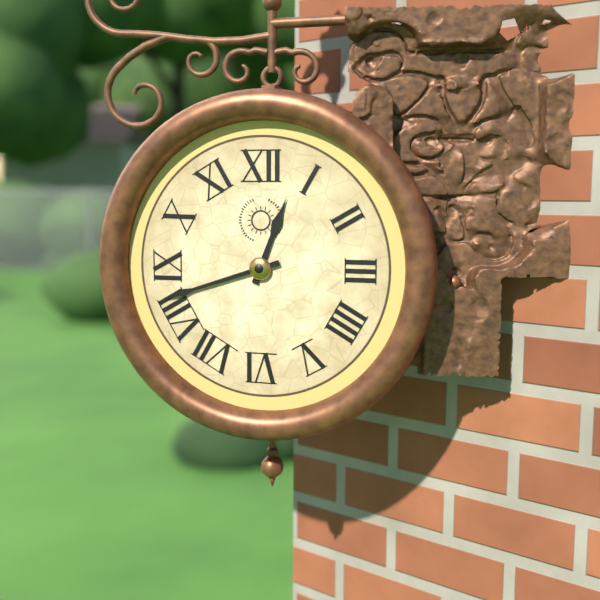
12:42
